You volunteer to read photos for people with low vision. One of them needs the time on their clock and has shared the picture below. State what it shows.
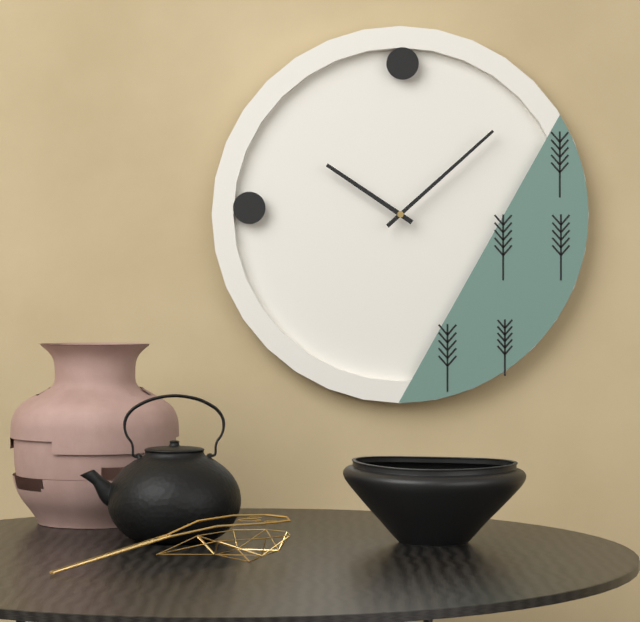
10:08
